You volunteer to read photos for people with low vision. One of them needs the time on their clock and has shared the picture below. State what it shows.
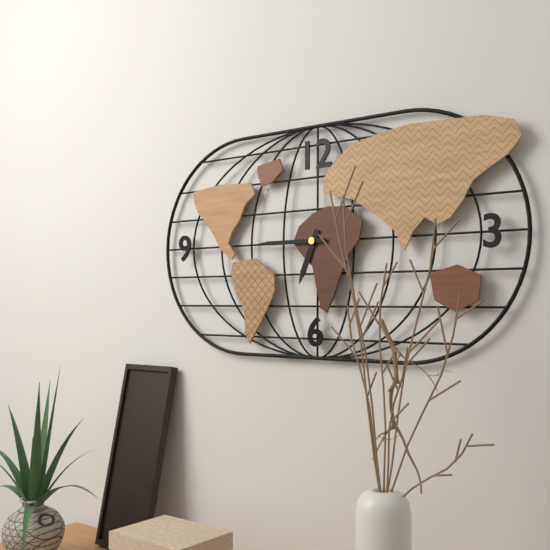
6:45
